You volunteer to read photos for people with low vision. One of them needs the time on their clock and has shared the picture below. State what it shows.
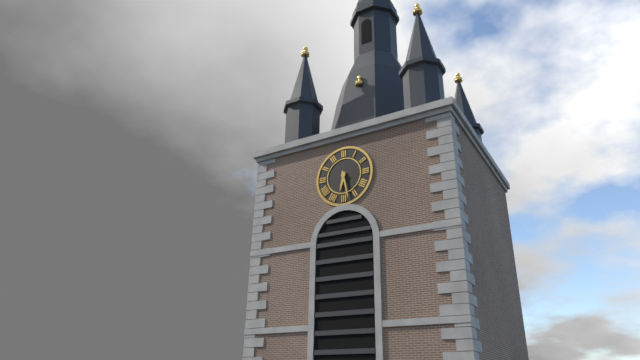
6:28
